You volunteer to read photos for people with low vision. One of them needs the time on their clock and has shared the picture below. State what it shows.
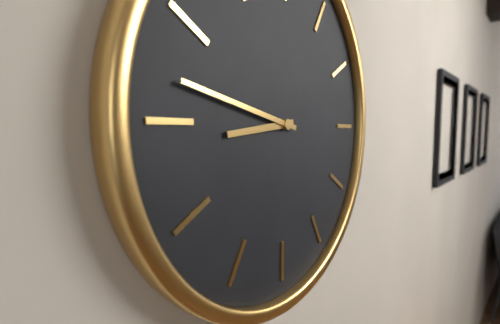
8:47
